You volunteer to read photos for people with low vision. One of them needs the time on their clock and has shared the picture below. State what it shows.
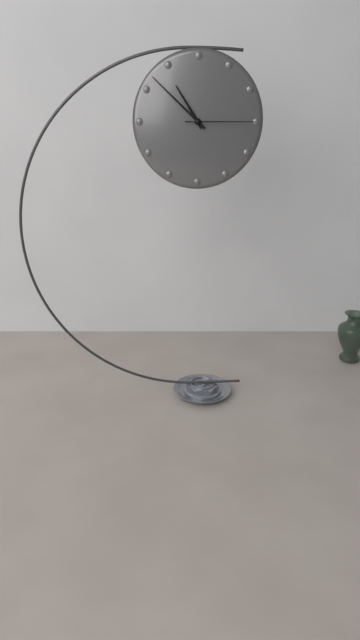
10:52:15
